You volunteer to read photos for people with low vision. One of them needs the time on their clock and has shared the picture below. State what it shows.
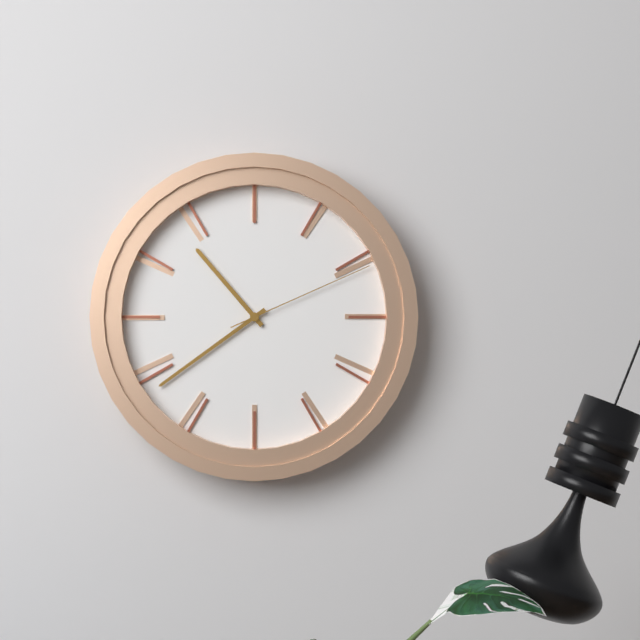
10:39:11
